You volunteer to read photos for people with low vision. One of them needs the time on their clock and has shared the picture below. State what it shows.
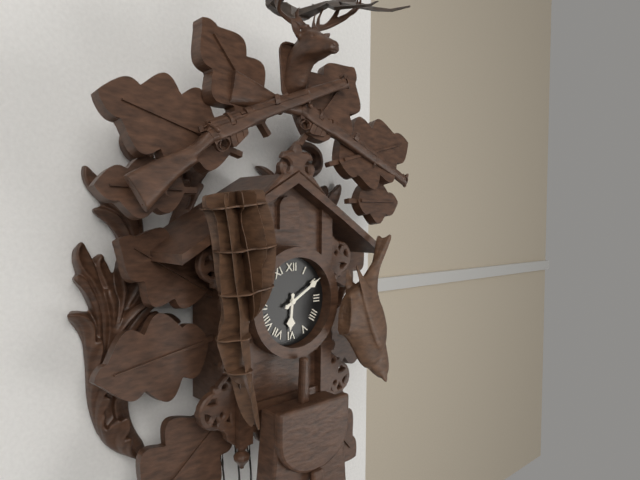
6:10
